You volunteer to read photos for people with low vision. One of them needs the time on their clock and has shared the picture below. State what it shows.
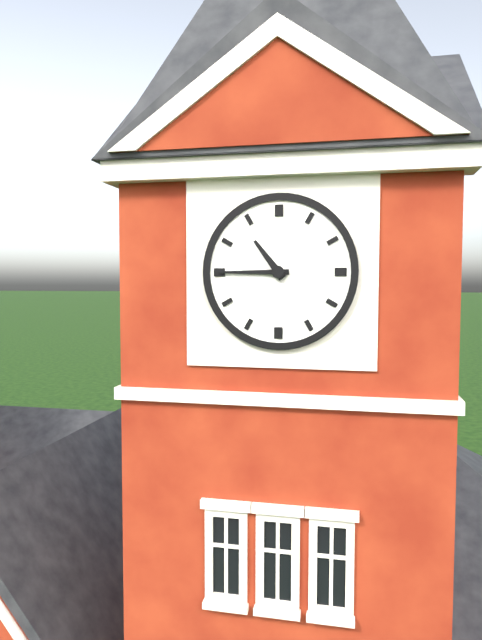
10:45
